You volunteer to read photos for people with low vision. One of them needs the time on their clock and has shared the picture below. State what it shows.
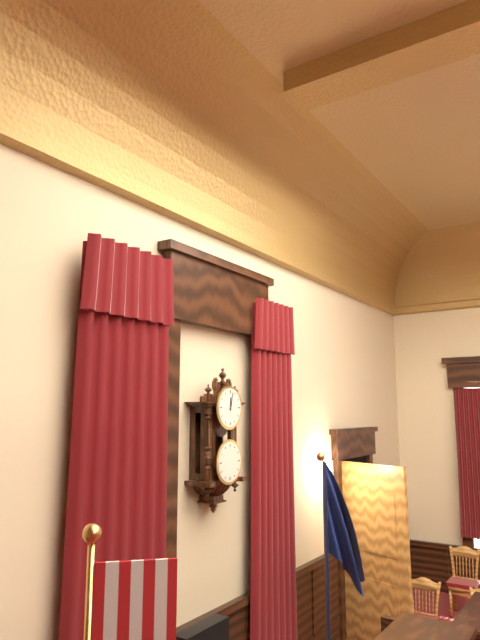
12:02
